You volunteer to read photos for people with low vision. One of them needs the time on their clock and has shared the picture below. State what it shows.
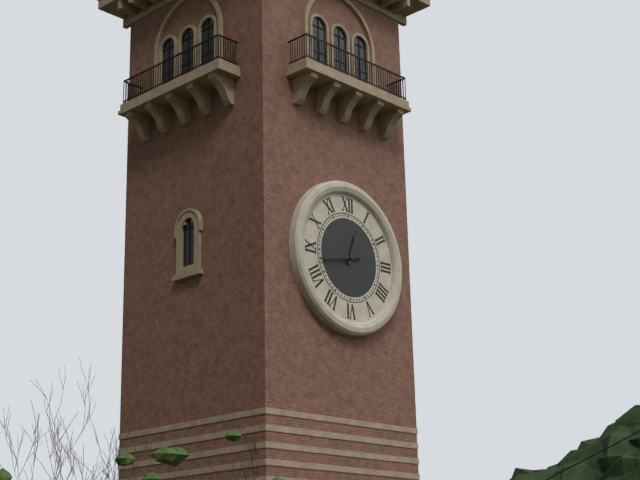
12:43
